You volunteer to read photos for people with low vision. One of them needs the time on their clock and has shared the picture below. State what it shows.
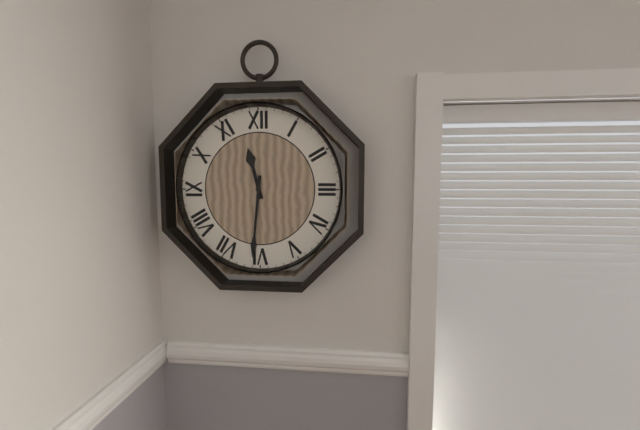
11:31
